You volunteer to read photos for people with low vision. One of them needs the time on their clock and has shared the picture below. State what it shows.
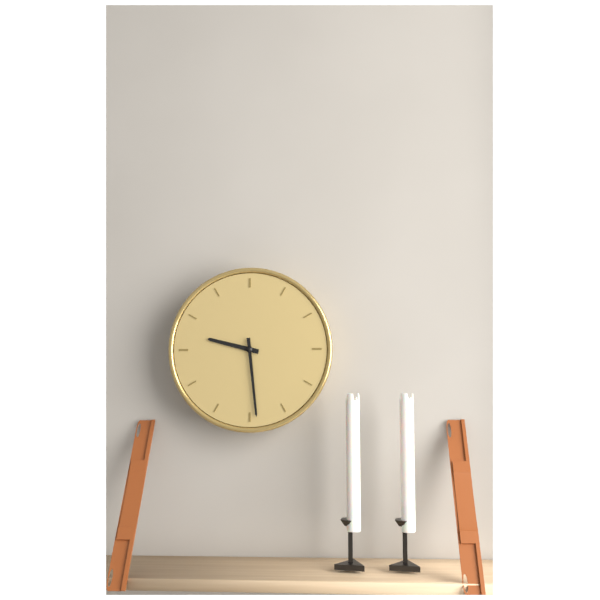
9:29
